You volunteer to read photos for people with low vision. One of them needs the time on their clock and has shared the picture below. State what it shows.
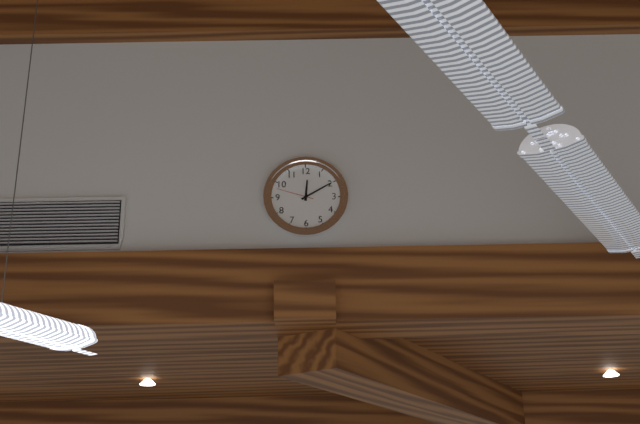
12:10
